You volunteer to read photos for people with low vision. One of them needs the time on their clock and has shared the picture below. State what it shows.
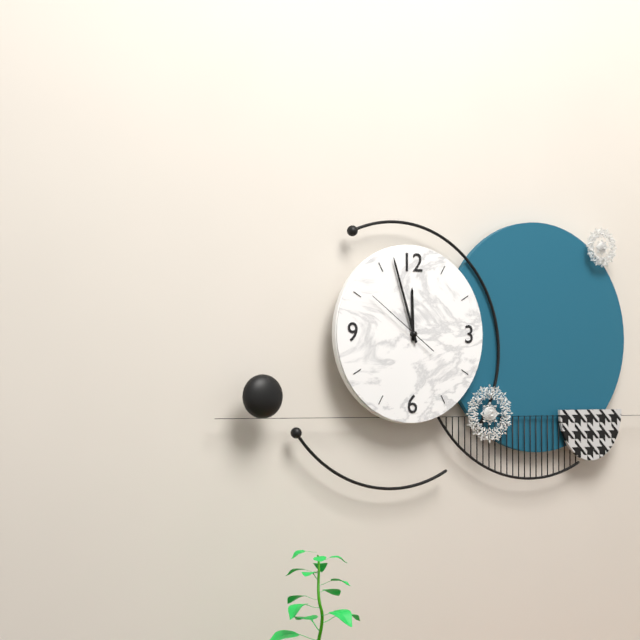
11:57:51
